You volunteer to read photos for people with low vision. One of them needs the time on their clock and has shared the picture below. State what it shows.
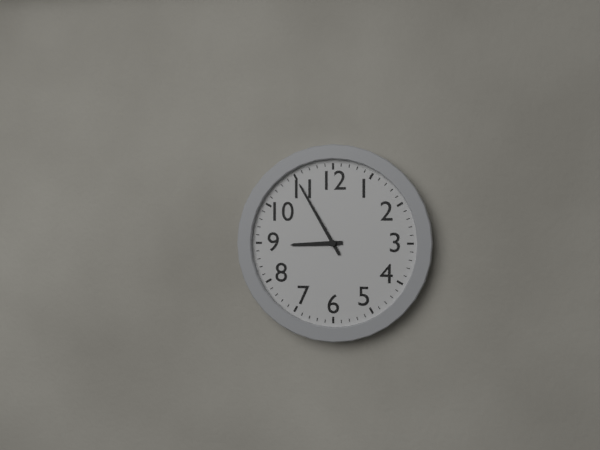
8:55
